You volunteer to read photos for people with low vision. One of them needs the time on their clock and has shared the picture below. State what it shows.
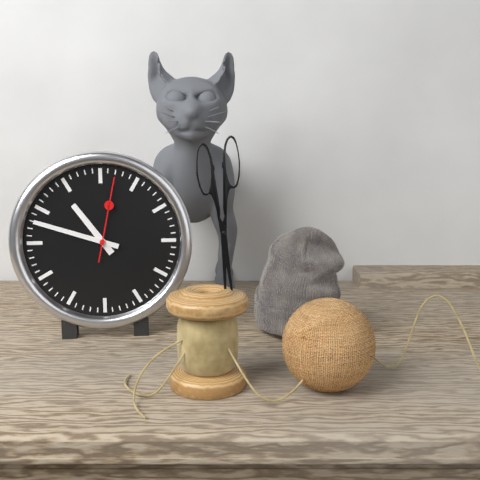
10:48:02
